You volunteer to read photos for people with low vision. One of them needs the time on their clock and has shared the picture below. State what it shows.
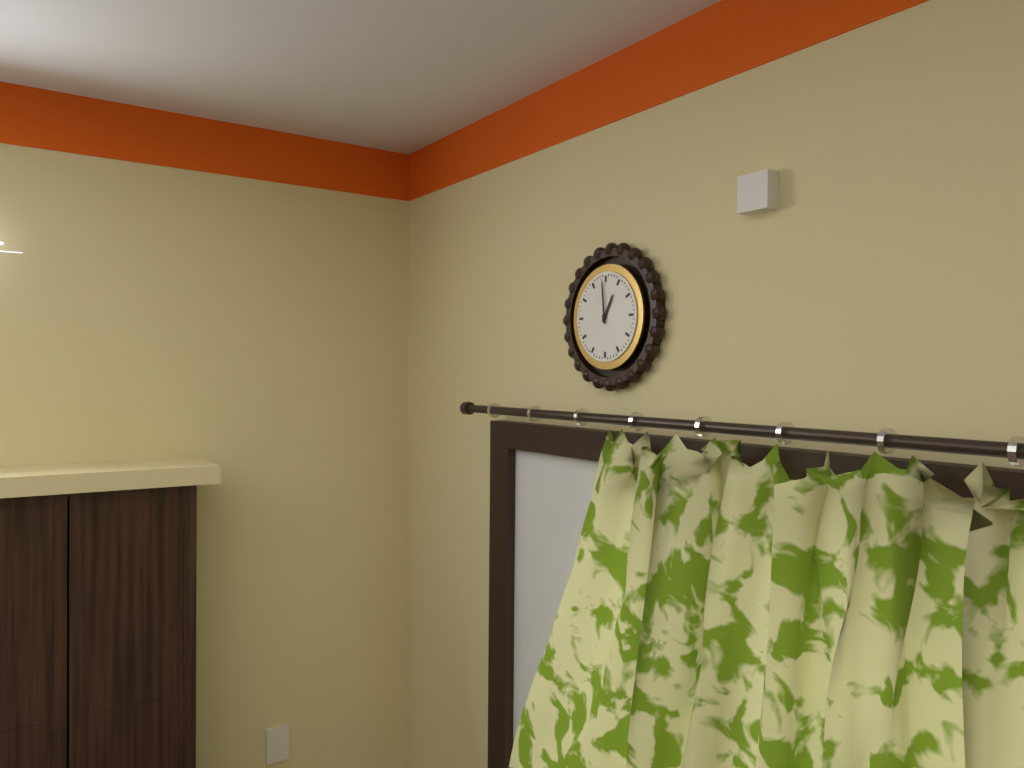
12:59
